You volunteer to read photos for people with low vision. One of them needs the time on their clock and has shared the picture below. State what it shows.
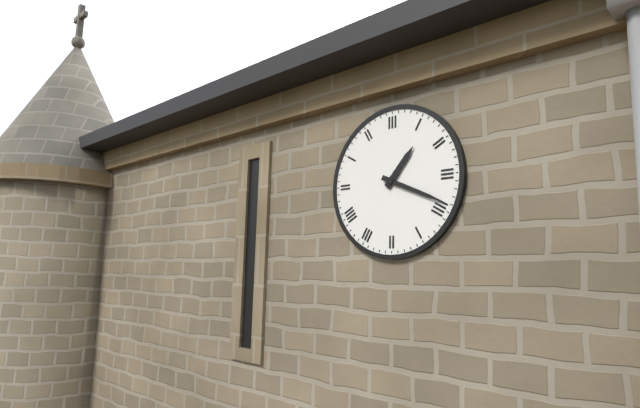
1:19
